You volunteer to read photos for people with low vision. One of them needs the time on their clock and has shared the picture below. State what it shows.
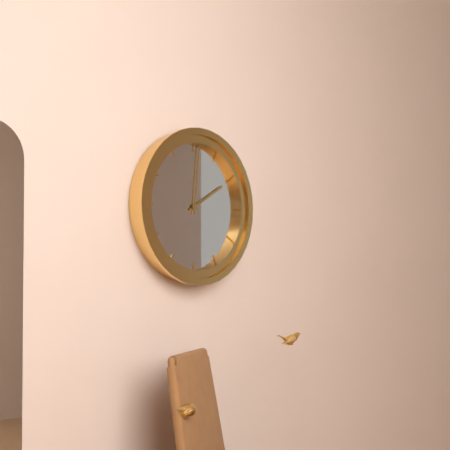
2:01
